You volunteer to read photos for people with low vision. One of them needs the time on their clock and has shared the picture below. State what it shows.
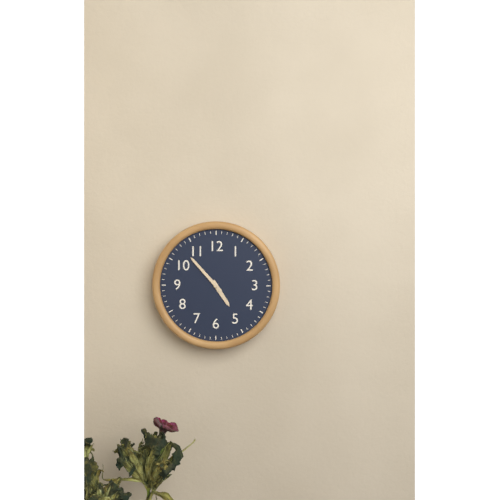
4:53
